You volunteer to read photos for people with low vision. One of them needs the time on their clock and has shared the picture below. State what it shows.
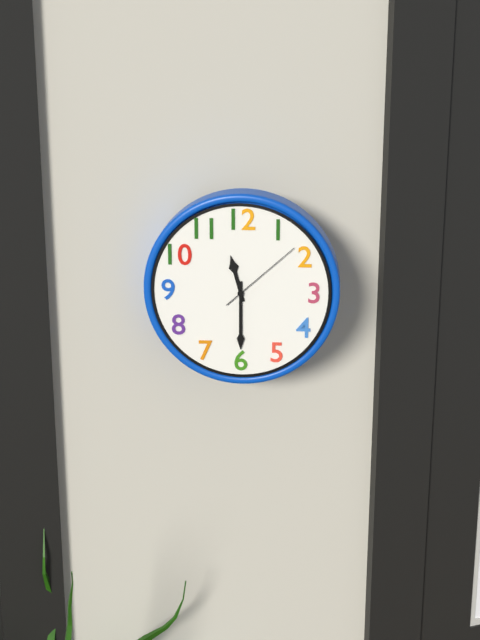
11:30:08
